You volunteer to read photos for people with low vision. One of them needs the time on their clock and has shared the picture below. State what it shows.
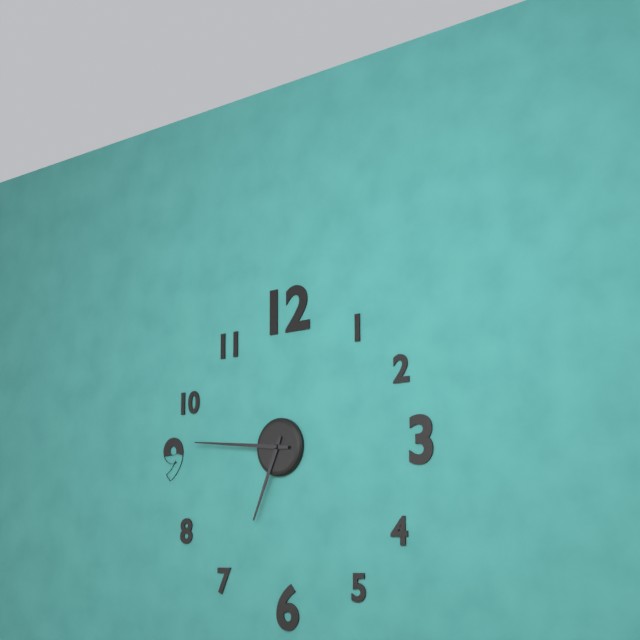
6:46
